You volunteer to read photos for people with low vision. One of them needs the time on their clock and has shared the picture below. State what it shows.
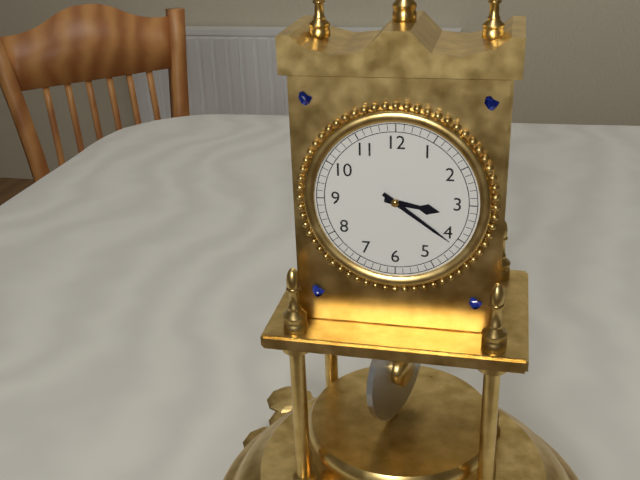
3:21
